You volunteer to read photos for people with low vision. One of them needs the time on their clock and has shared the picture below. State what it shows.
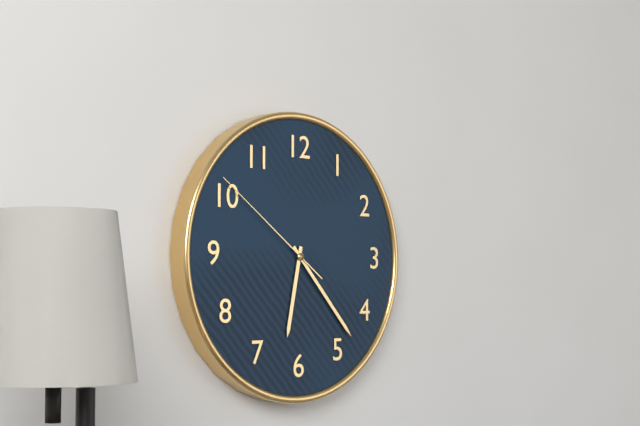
6:23:51
